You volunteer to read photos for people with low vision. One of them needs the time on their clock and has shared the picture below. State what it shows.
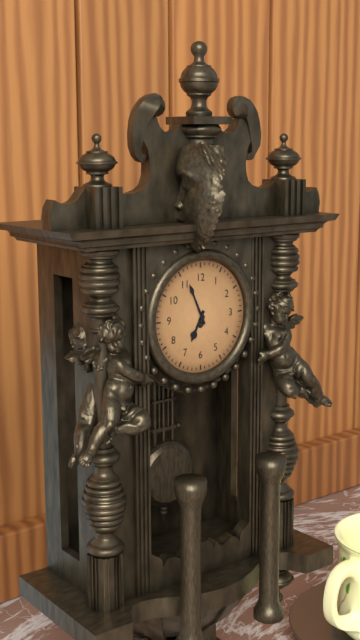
6:56
